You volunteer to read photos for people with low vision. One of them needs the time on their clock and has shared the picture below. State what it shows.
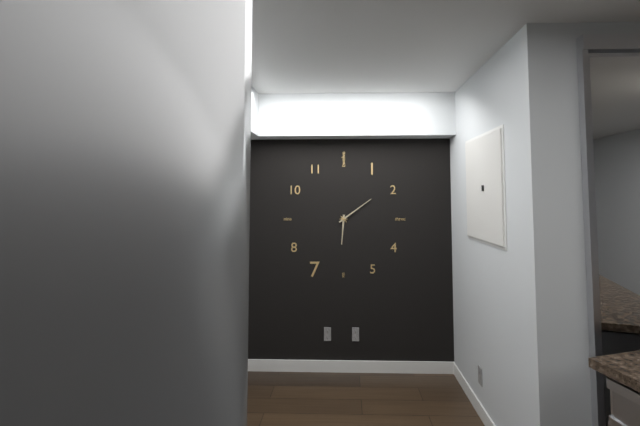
6:09
